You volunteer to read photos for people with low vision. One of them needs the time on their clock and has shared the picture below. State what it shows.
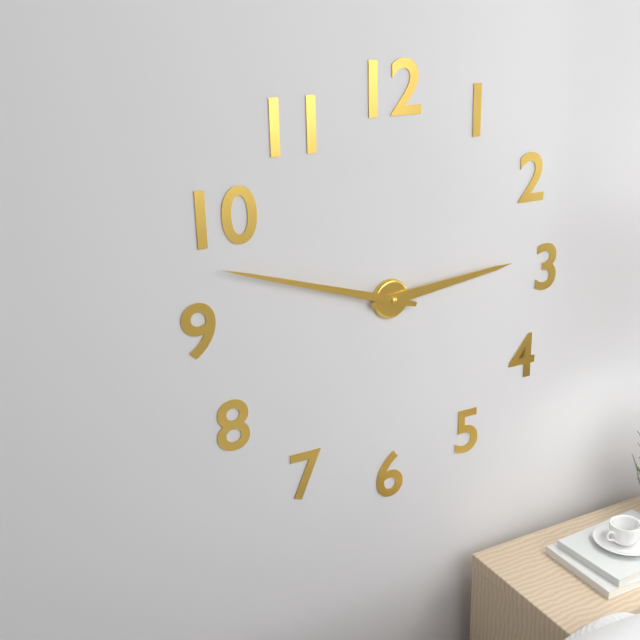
2:48
